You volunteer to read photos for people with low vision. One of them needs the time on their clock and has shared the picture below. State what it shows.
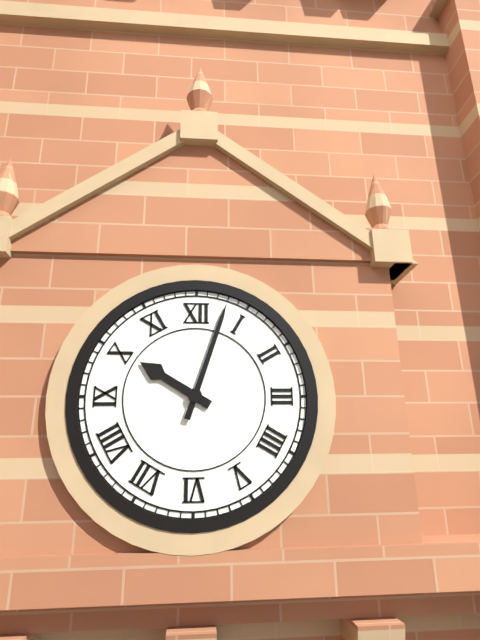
10:03
